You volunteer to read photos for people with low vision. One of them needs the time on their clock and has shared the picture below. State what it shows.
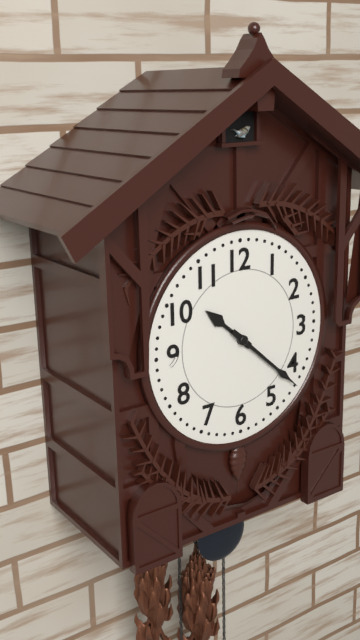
10:22
